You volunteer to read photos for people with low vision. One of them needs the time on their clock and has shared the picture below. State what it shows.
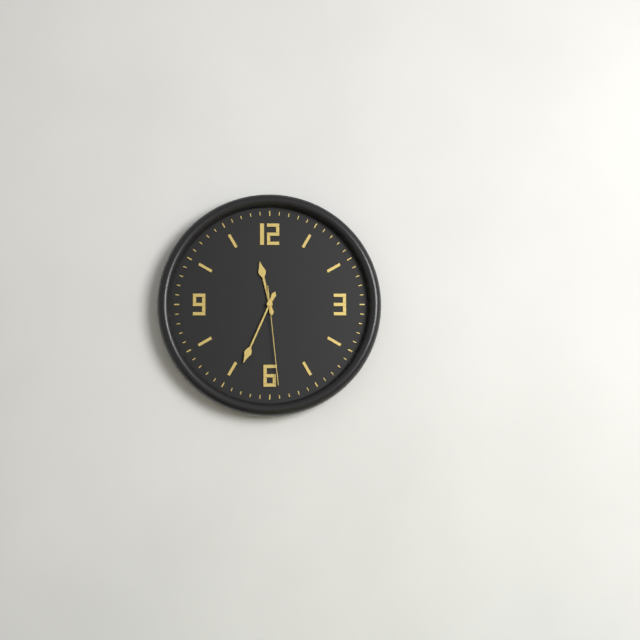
11:34:29
